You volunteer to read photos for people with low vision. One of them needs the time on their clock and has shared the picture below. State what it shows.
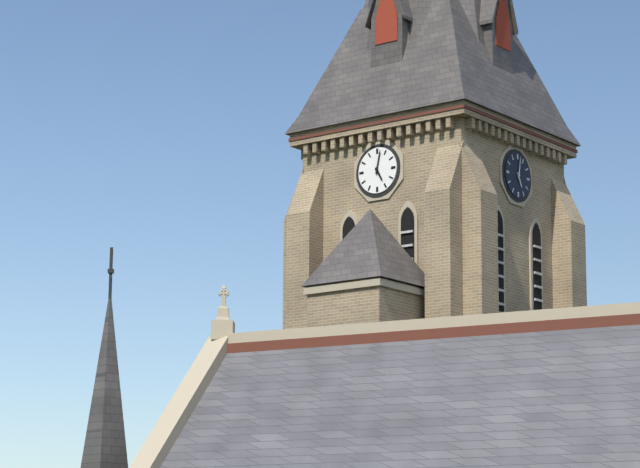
5:02
